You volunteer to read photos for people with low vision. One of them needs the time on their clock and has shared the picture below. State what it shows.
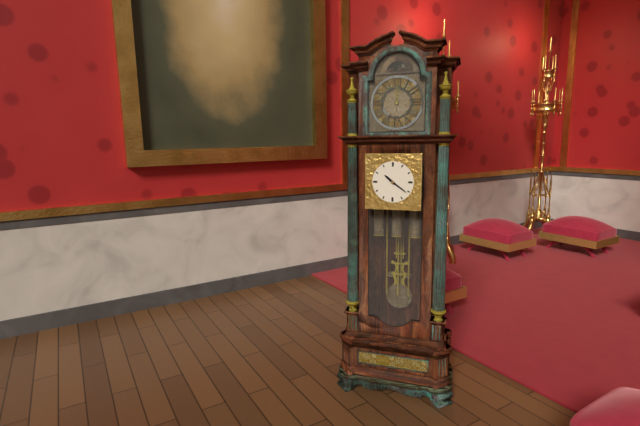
10:21
